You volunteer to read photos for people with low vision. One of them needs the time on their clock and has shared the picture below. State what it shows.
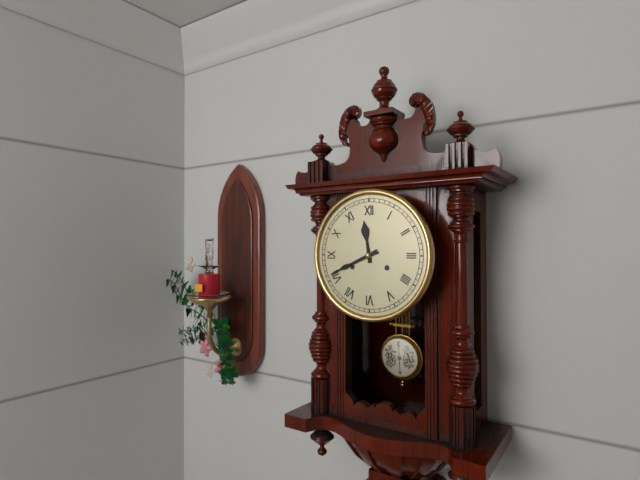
11:41
